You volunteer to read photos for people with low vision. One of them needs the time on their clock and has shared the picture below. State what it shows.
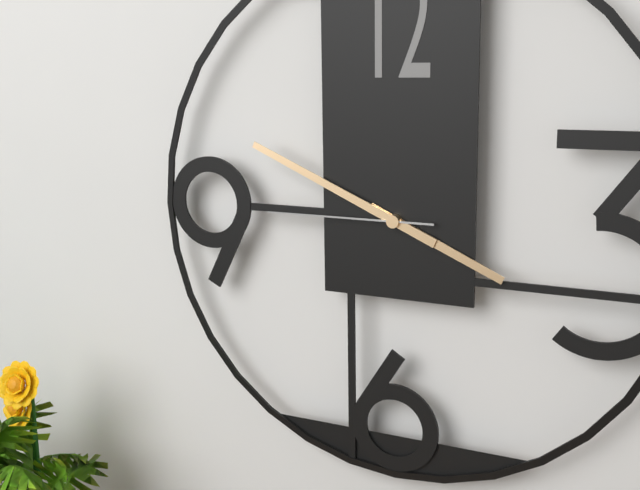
3:49:45
